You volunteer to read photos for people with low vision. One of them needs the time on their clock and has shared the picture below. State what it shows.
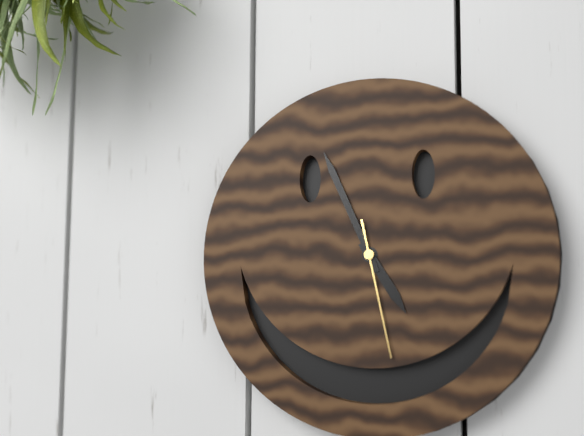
4:56:28
